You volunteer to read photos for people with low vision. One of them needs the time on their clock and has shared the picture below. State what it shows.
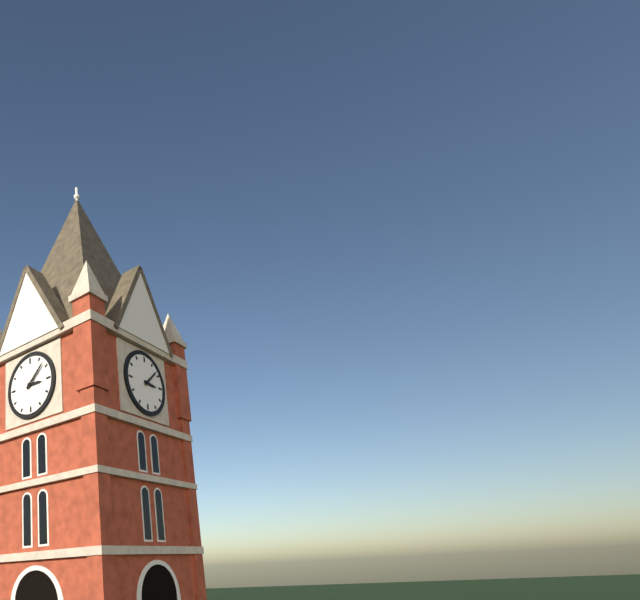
3:08
